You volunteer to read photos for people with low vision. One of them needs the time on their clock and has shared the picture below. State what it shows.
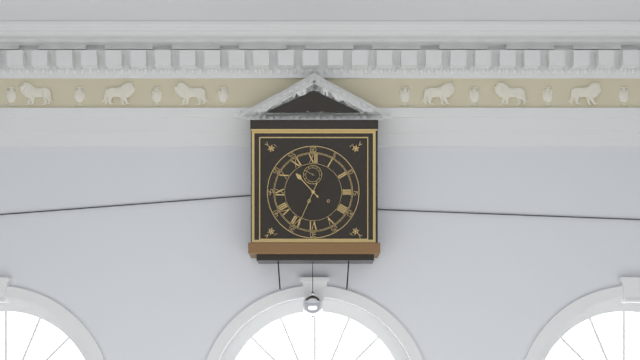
10:34
